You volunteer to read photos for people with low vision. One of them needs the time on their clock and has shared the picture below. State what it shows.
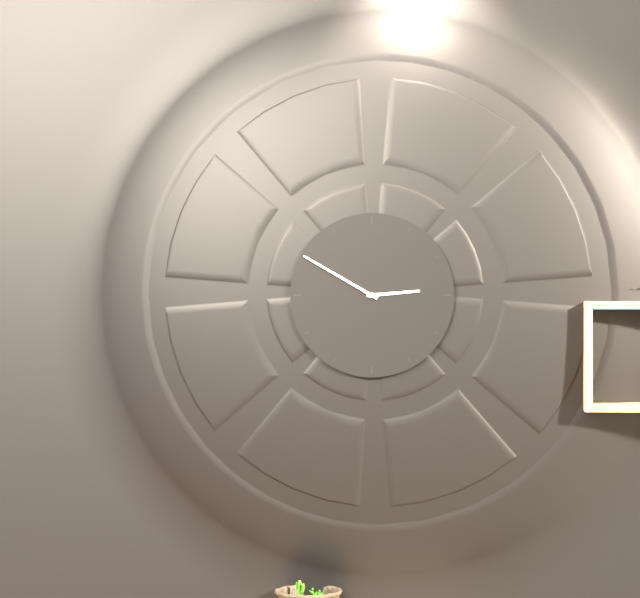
2:50
